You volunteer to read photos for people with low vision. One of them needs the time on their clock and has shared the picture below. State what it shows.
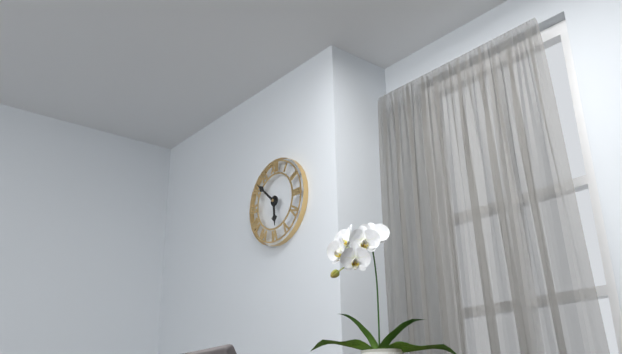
5:52
